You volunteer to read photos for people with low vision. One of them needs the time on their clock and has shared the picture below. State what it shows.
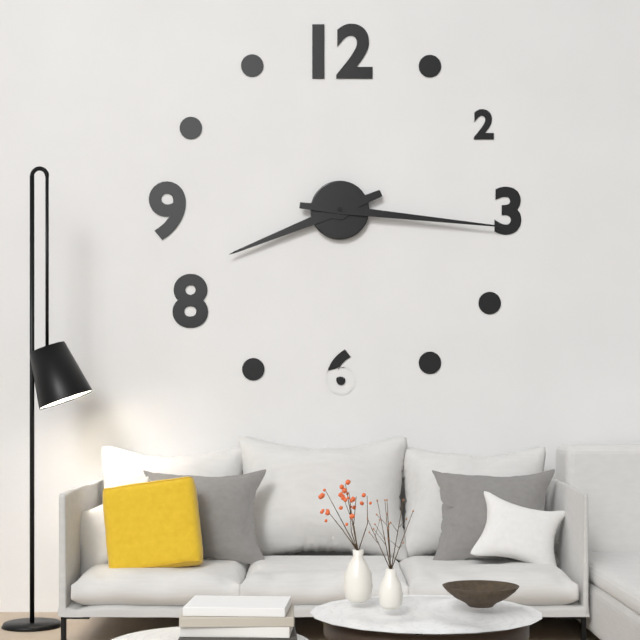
8:16
